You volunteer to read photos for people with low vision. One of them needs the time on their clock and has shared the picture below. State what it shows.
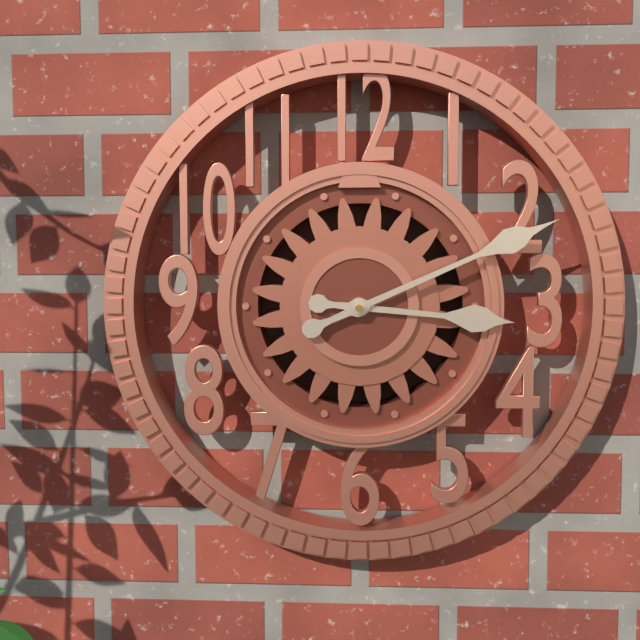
3:11
